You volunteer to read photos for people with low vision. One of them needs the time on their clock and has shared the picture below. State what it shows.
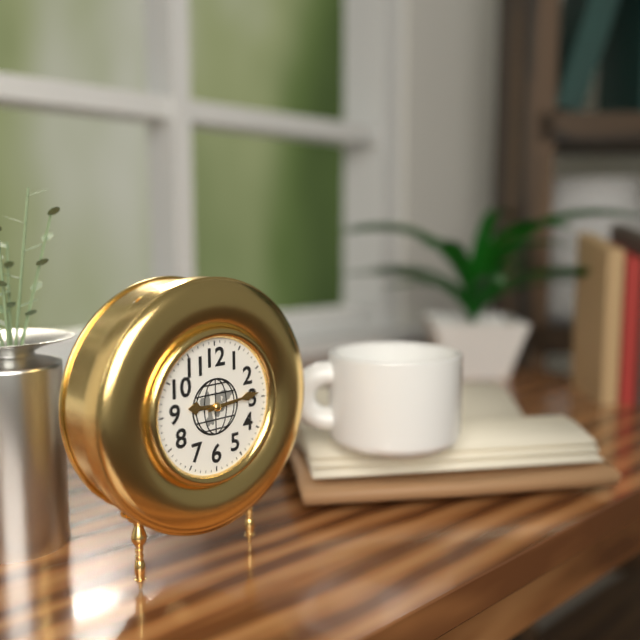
9:14
